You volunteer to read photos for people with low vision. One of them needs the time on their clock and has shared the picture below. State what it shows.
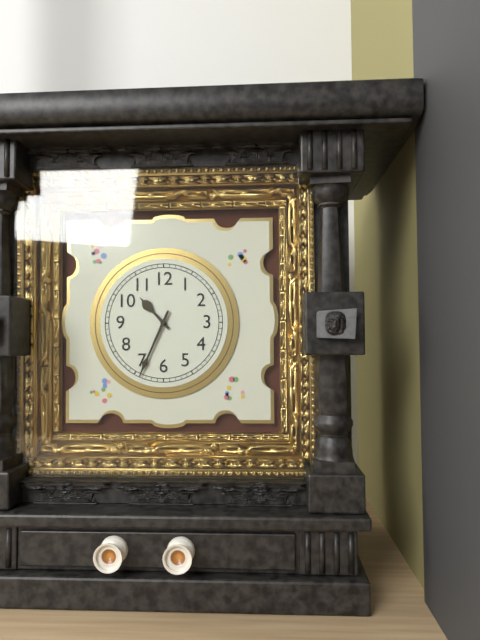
10:34
